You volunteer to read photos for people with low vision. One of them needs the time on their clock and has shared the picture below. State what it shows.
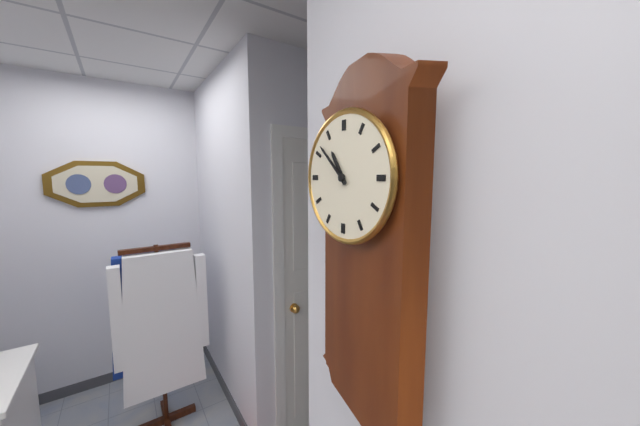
10:52
